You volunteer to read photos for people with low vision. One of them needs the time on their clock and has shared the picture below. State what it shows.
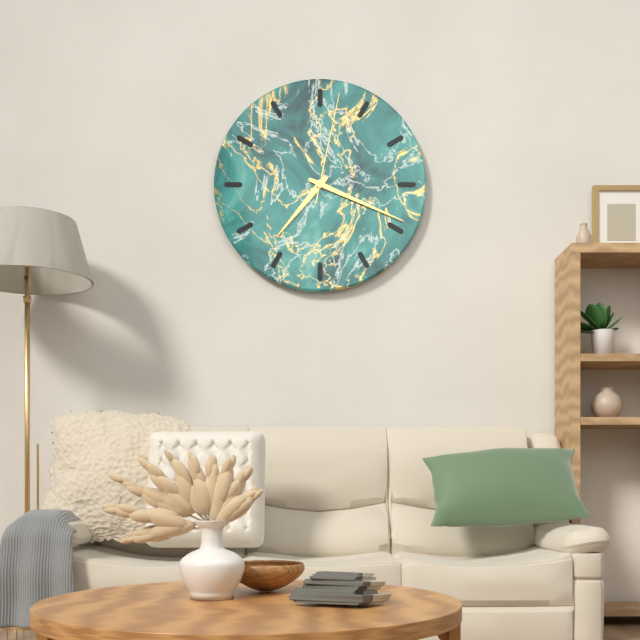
7:19:02
